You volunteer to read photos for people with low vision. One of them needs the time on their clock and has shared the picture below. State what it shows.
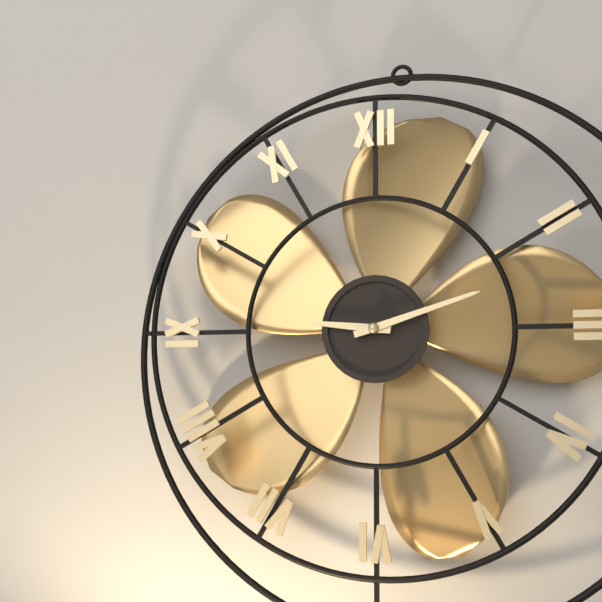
9:12
